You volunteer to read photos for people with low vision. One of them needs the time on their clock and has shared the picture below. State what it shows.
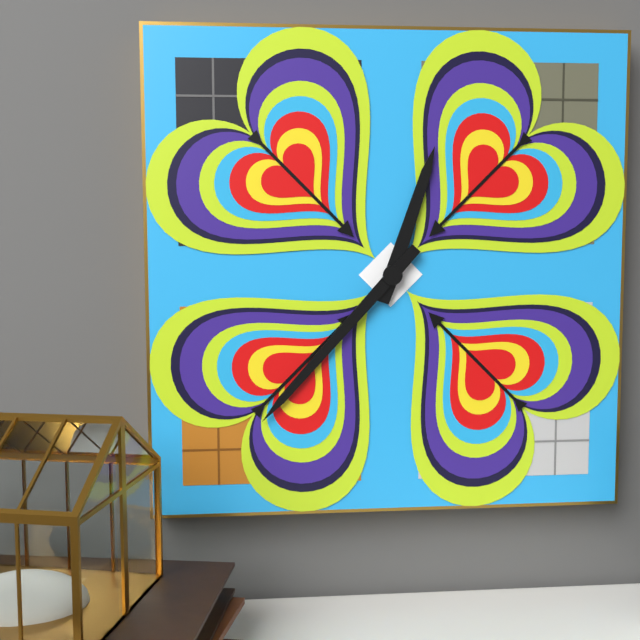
12:37
